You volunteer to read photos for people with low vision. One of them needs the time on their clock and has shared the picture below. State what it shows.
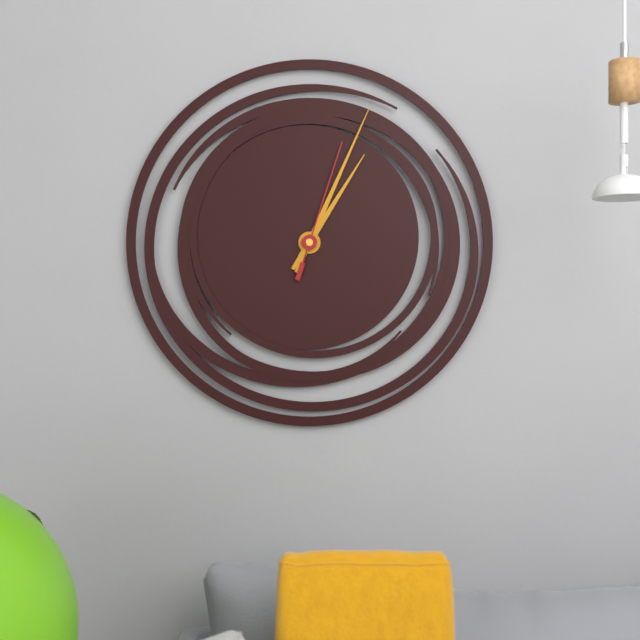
1:04:03
